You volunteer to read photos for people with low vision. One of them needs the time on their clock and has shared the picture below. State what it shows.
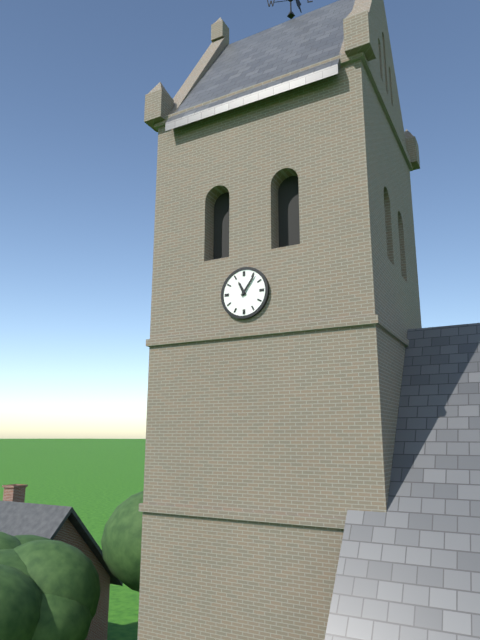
11:06
